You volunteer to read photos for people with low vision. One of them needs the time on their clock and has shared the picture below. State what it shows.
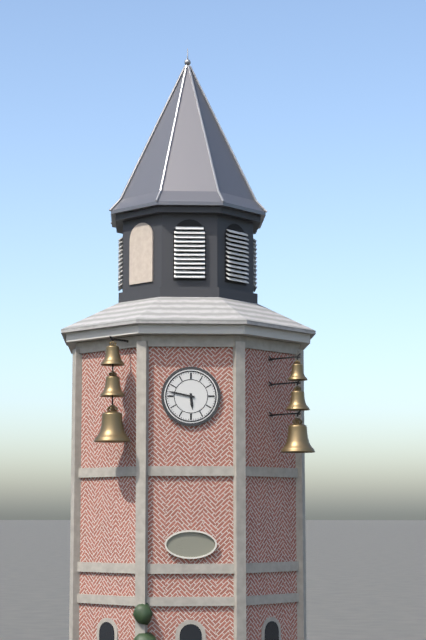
5:47
